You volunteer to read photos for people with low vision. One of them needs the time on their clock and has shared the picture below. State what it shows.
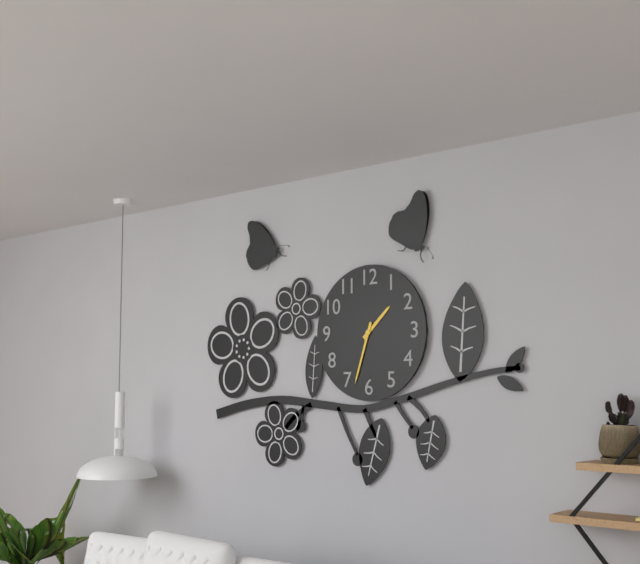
1:33
